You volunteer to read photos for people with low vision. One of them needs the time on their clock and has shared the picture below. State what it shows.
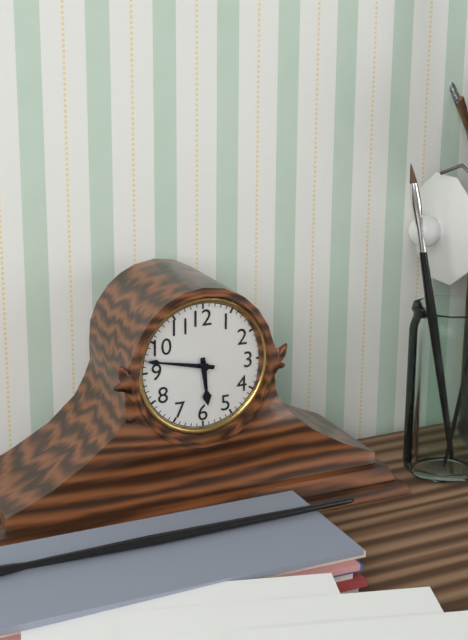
5:47
